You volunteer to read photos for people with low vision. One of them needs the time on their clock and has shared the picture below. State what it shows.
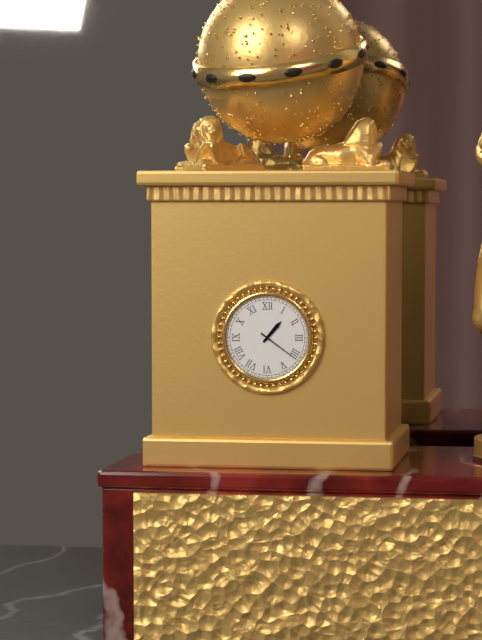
1:21
